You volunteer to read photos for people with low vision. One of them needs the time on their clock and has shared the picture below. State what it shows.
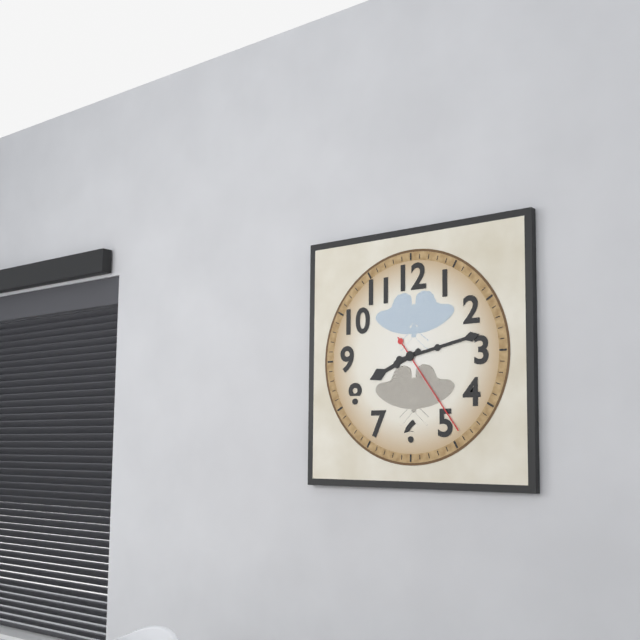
8:13:24
